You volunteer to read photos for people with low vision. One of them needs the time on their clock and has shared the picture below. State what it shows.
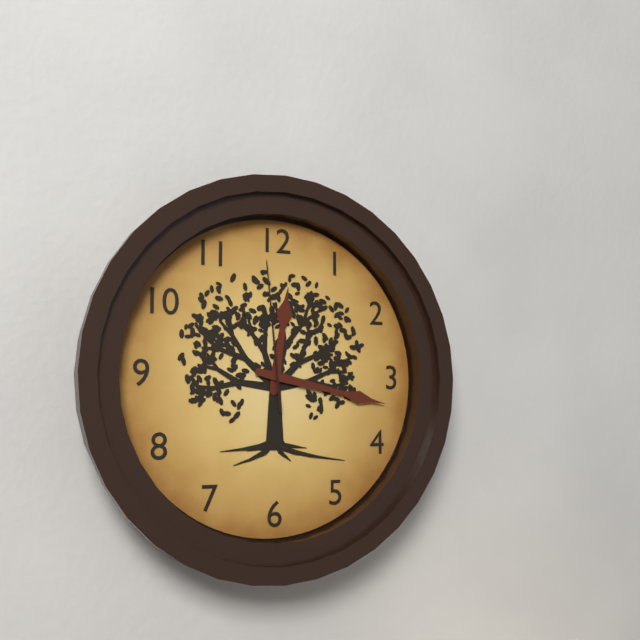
12:17:59
